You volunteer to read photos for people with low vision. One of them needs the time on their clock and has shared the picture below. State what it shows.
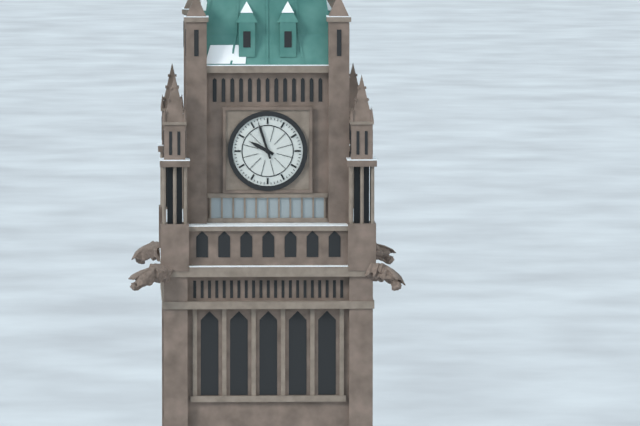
9:57
